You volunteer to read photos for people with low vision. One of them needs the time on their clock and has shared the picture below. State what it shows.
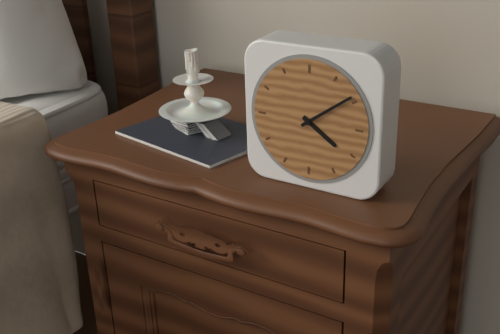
4:09
